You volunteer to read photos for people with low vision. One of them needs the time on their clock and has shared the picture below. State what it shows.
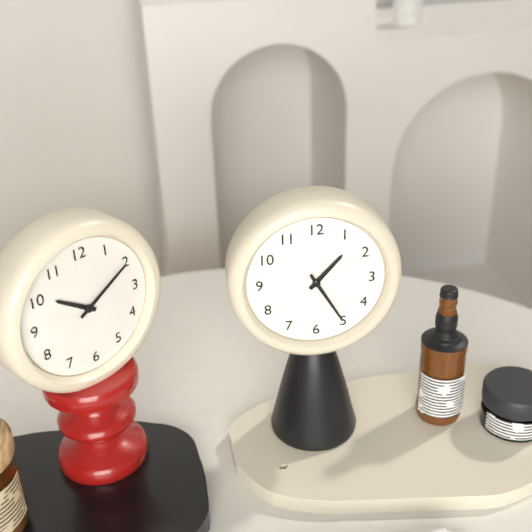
1:25
